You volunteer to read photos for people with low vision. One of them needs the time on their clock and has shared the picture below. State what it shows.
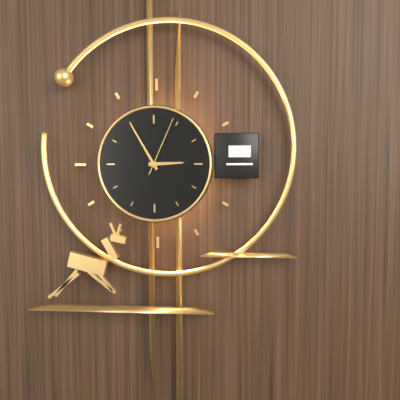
2:55:04
